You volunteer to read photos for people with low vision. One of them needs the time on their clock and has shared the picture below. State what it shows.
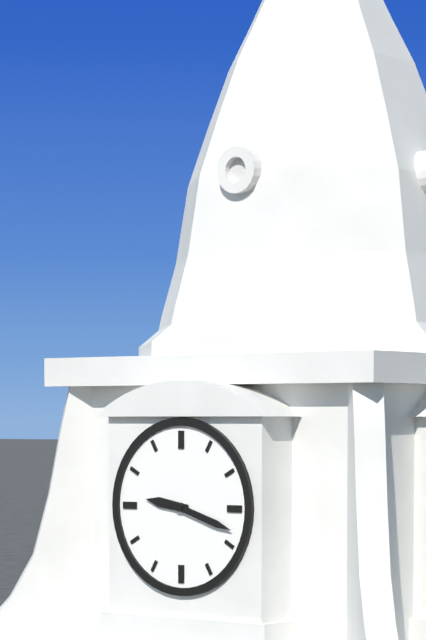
9:18
